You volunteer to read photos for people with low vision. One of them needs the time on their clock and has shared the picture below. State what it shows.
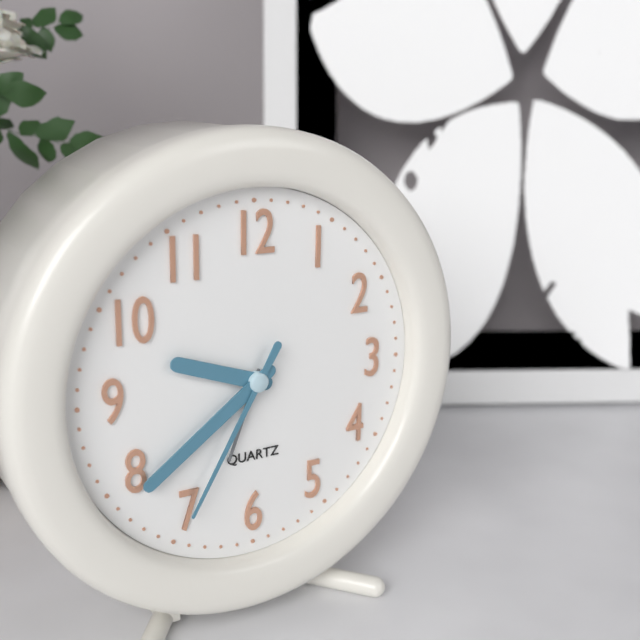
9:39:35
